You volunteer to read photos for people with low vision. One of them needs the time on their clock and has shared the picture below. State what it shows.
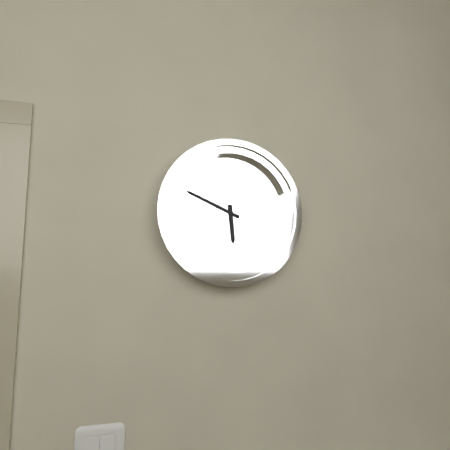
5:49
